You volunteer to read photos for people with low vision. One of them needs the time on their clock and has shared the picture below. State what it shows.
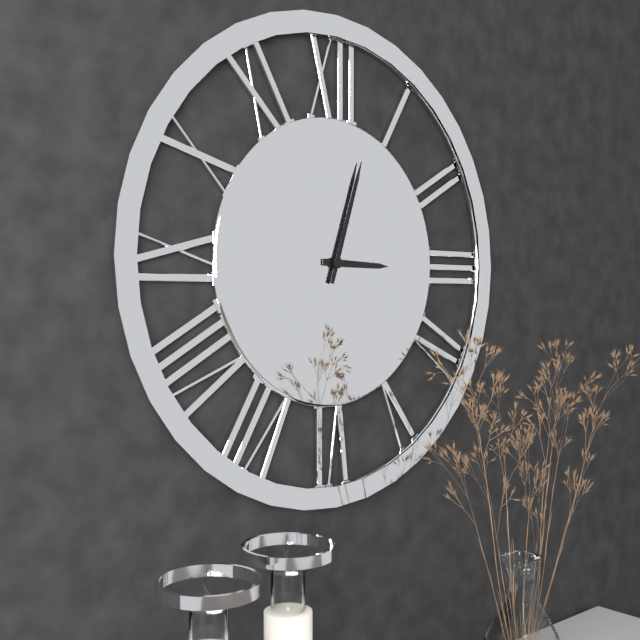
3:03
